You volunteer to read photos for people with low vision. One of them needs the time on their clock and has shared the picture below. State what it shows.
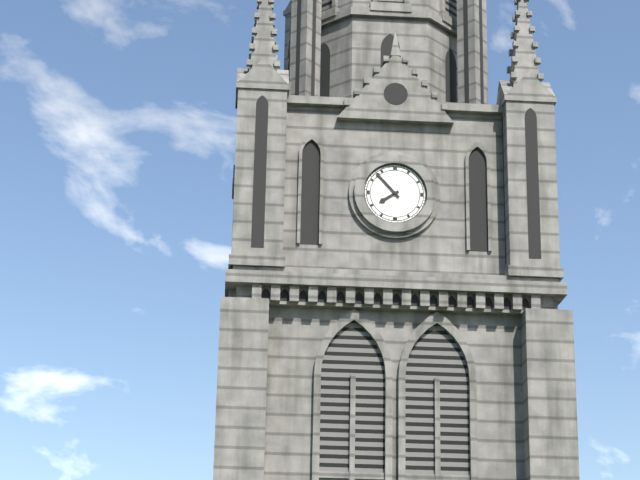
7:53
